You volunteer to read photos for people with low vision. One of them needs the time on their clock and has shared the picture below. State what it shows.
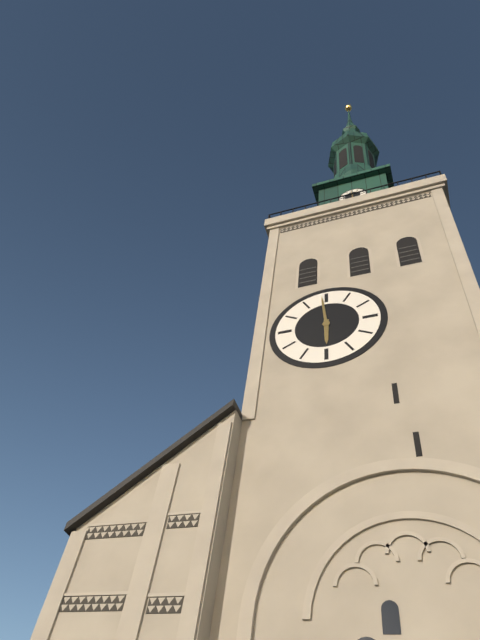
5:59
